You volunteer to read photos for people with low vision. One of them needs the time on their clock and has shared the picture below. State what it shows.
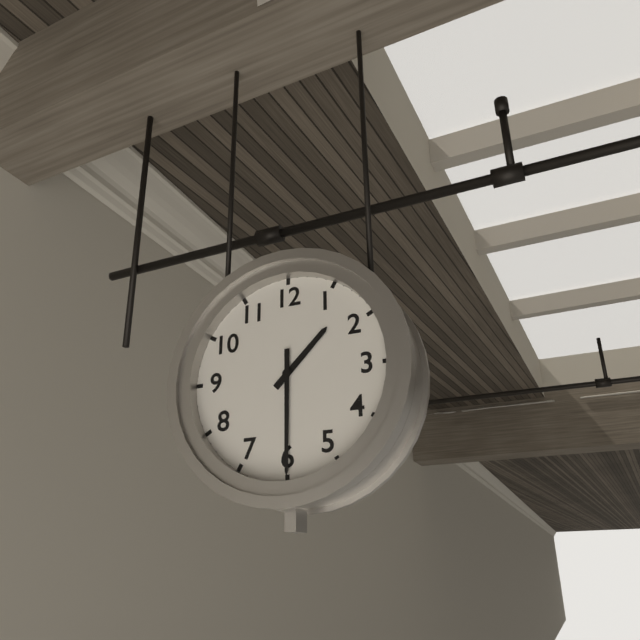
1:30
